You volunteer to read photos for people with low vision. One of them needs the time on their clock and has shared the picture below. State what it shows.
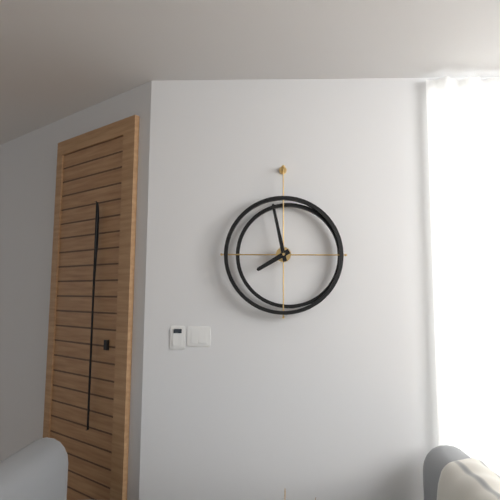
7:58
